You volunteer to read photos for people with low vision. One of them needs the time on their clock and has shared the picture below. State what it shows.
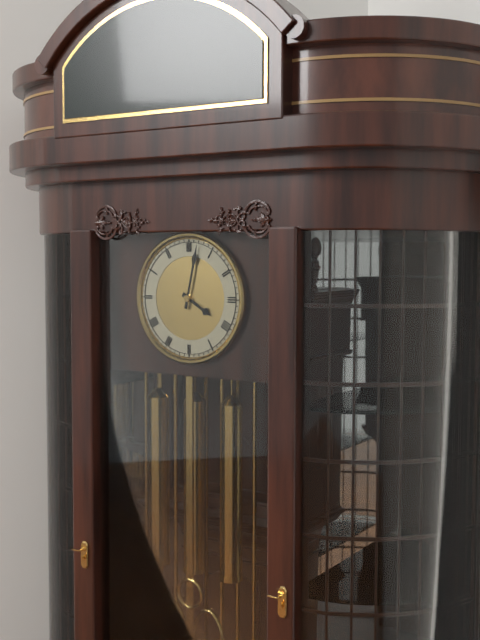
4:02
